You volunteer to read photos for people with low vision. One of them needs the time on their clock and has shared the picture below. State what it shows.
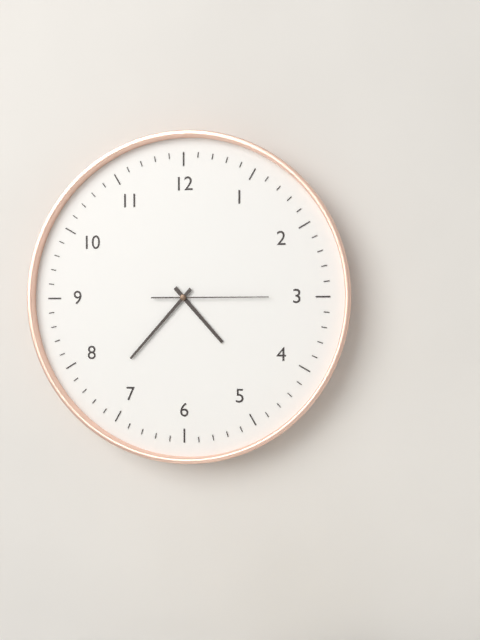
4:37:15
